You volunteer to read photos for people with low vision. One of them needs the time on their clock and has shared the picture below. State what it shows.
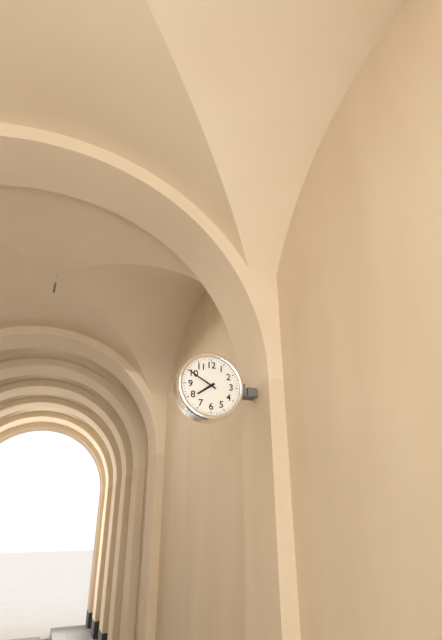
7:50
